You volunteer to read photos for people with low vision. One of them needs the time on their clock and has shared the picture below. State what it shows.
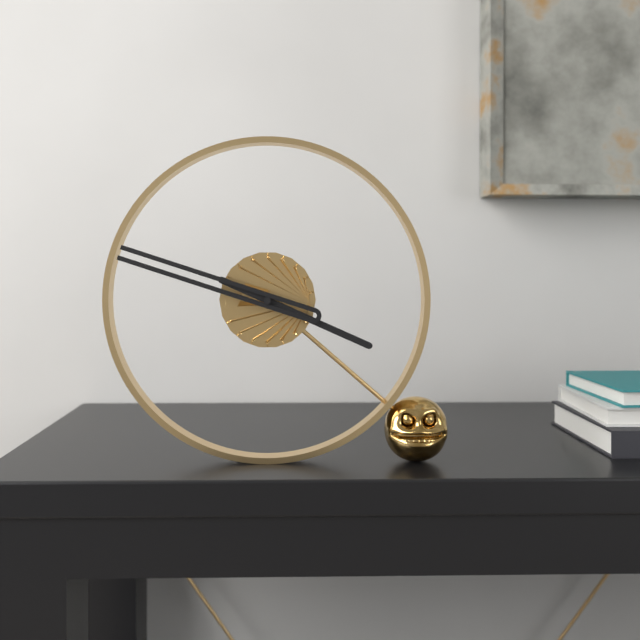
3:48
